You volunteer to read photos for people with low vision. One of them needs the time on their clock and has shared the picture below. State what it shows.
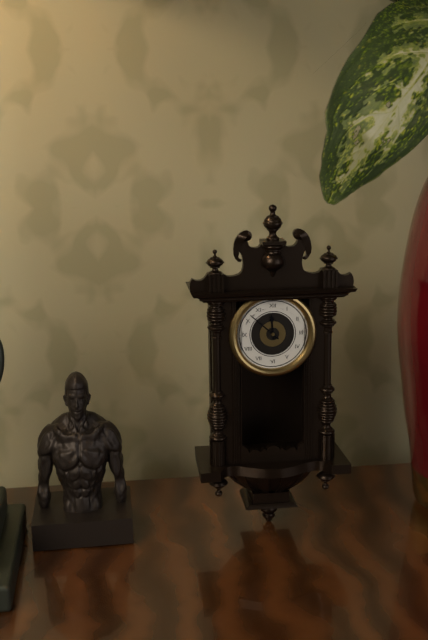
11:52
